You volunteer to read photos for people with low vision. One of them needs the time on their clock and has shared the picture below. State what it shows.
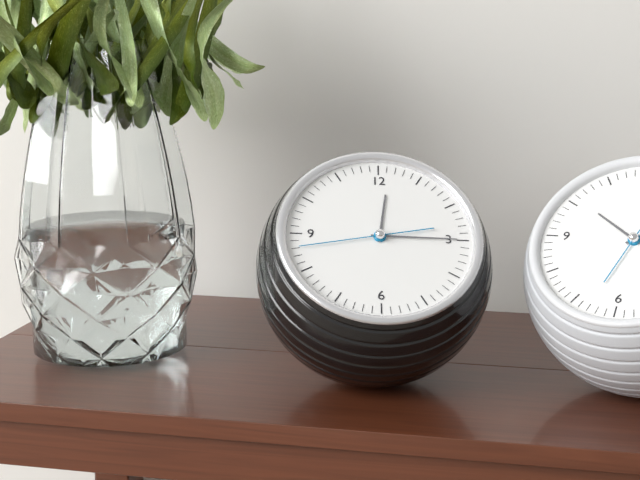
12:15:43
